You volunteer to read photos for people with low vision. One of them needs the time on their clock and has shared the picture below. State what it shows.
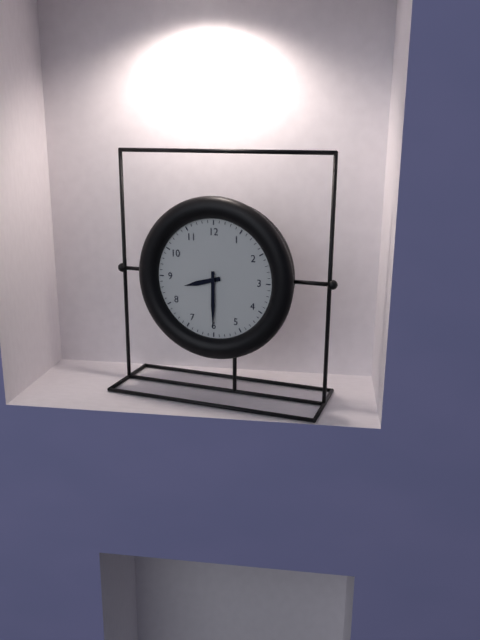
8:30
